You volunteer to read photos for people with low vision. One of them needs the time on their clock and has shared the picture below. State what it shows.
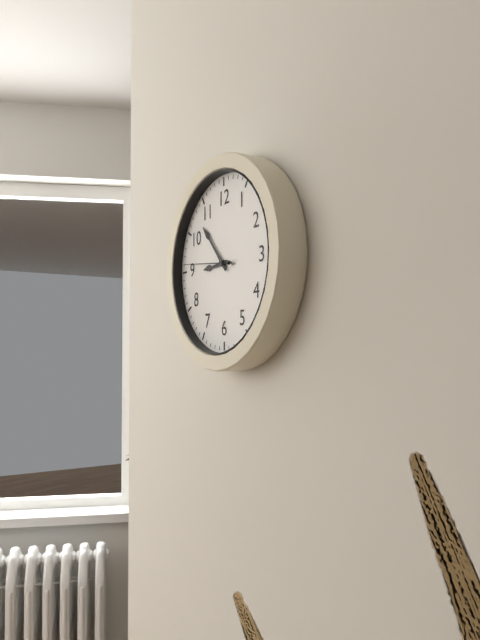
8:53
